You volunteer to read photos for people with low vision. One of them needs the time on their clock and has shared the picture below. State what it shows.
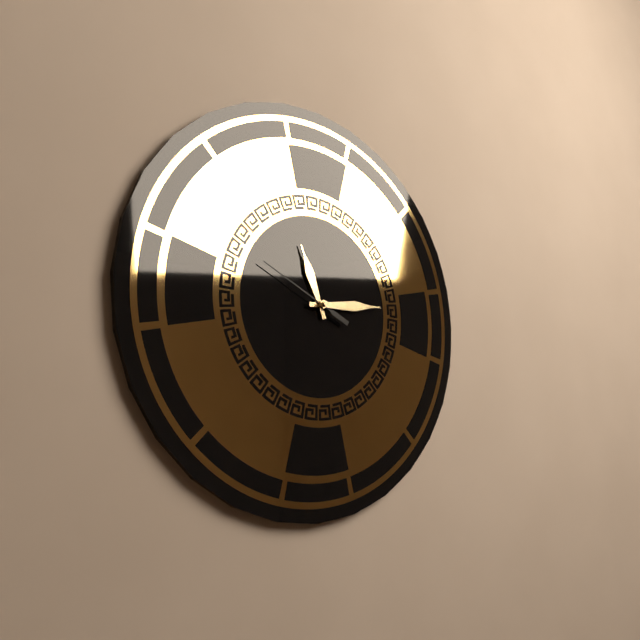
11:14:49
